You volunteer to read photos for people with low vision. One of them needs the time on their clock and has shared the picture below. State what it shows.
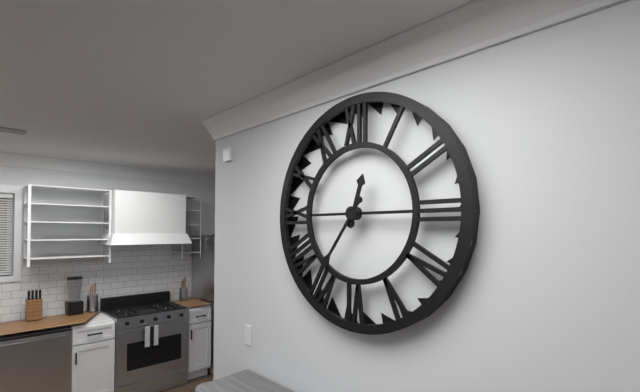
12:36
